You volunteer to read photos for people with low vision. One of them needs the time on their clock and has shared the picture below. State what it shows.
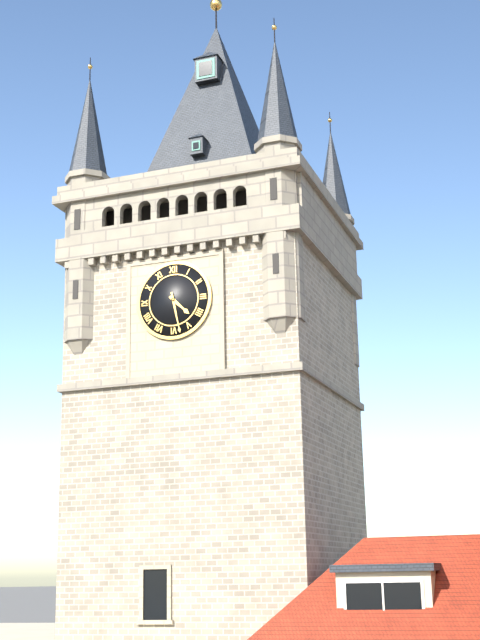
4:28
